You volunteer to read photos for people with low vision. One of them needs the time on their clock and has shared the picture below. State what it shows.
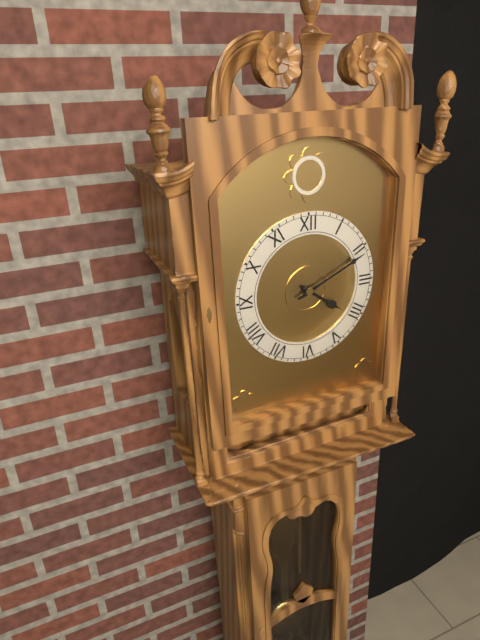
4:11
